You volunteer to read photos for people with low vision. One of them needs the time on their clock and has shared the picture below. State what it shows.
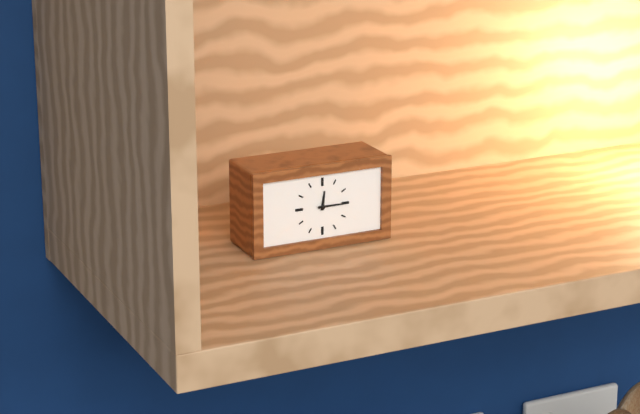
12:15
